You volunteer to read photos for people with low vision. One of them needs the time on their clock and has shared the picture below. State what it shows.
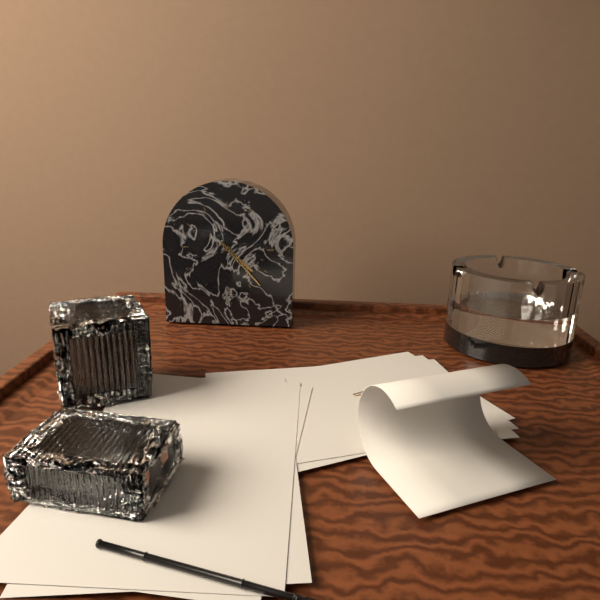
4:23
